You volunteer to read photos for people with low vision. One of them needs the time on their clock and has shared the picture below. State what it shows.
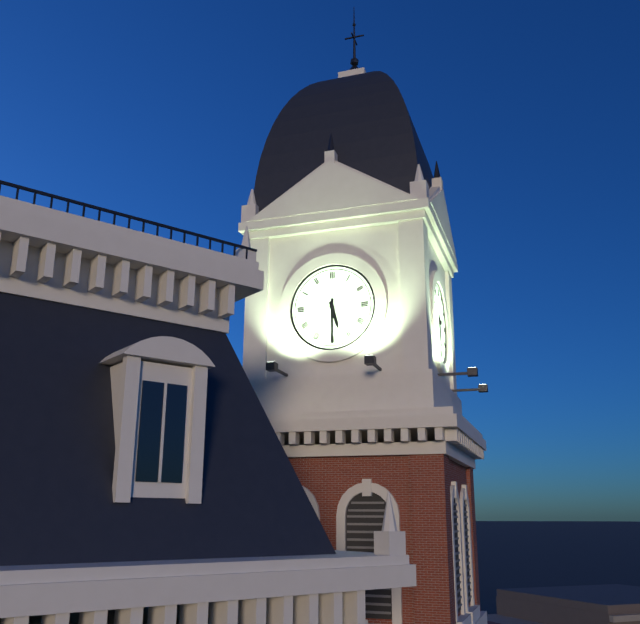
5:30
